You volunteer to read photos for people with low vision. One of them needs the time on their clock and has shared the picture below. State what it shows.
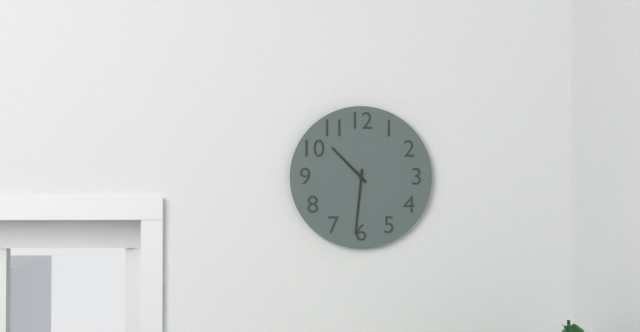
10:31
